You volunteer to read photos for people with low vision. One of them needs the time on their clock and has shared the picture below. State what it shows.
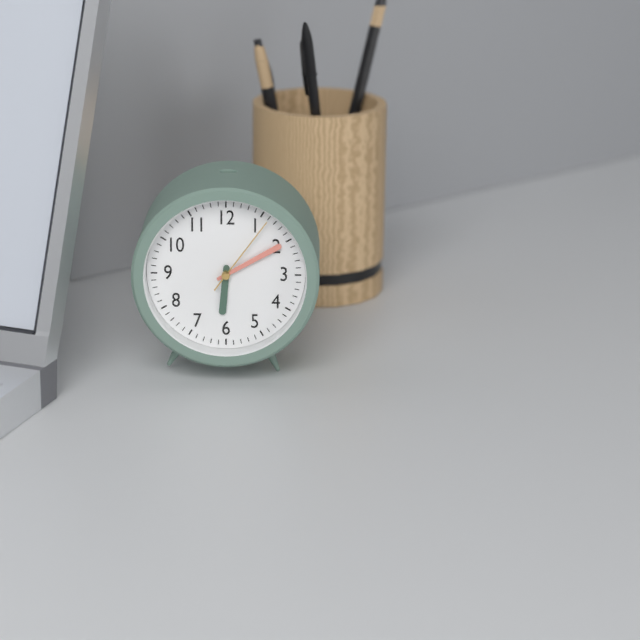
6:10:06
